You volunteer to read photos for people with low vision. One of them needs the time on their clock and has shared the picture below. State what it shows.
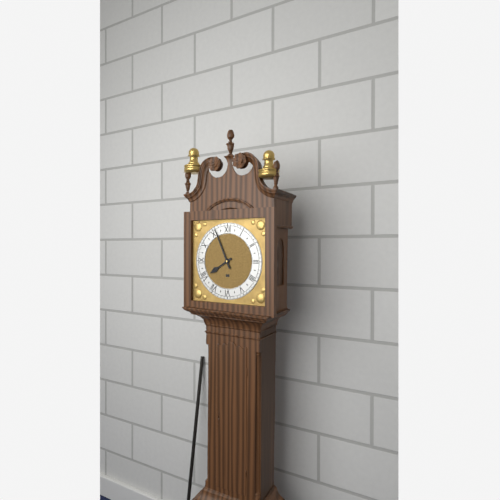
7:56
